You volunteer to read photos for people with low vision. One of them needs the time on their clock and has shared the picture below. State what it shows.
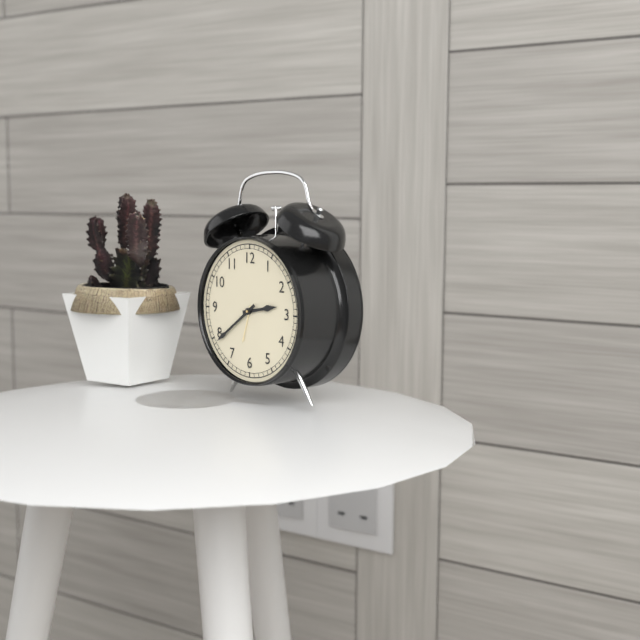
2:39
